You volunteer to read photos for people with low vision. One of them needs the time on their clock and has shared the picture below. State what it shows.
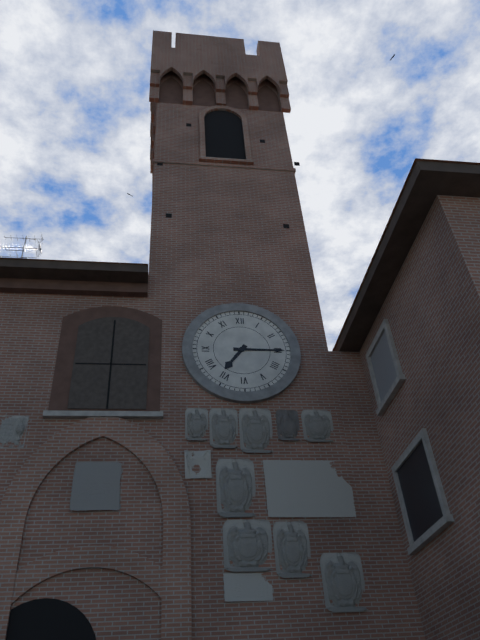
7:15
